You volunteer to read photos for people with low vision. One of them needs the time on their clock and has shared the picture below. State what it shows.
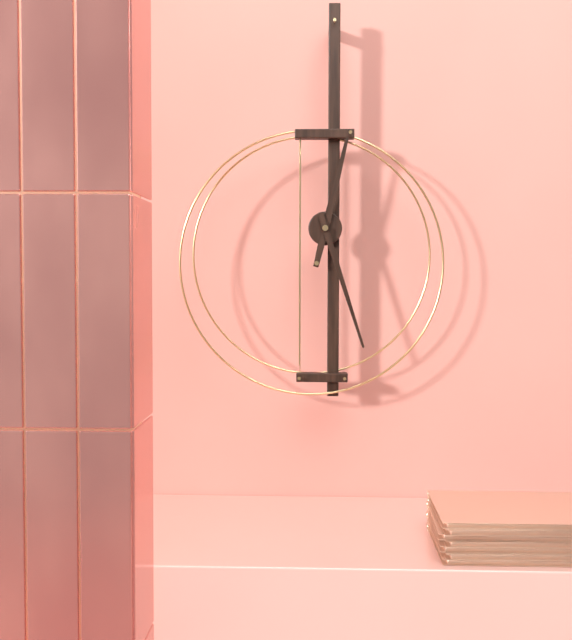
12:27
